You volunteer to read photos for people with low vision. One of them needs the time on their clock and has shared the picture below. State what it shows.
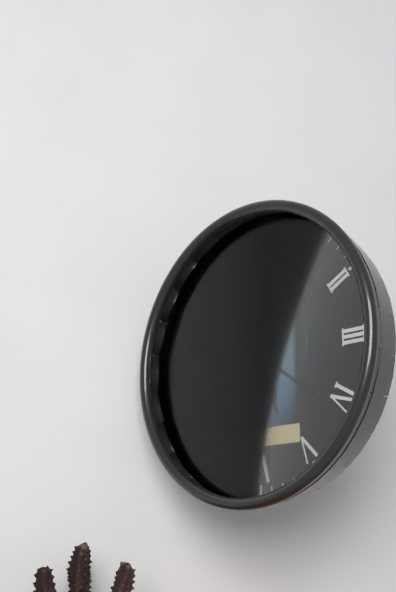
5:21
